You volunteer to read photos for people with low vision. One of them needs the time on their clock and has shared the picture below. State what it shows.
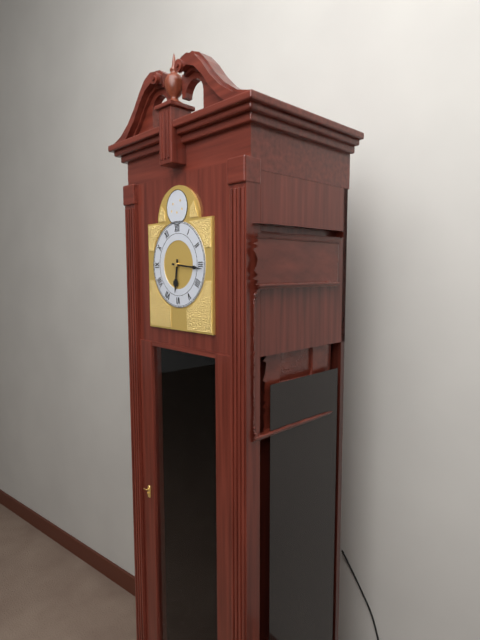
6:16
